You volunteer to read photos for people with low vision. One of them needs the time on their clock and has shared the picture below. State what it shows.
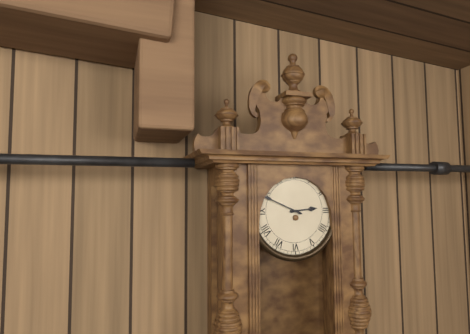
2:49
